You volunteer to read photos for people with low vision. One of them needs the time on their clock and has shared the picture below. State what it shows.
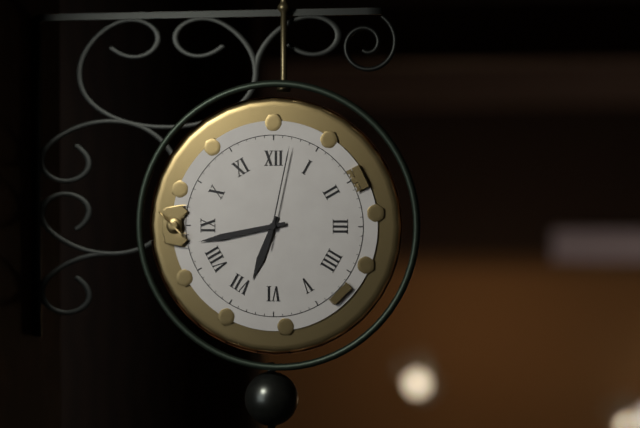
6:43:02
